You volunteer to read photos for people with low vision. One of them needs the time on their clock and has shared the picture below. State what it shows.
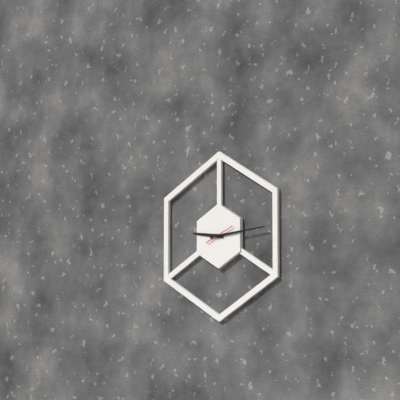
9:14
